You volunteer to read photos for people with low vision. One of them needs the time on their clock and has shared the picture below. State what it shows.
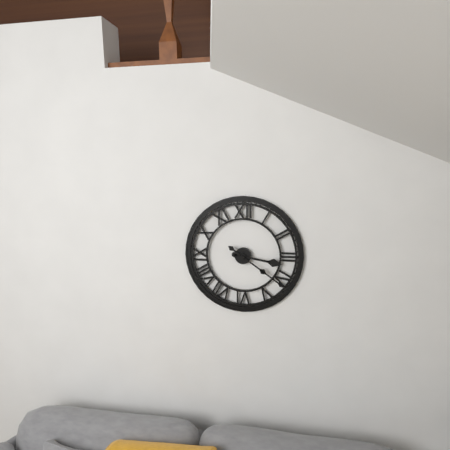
3:21
